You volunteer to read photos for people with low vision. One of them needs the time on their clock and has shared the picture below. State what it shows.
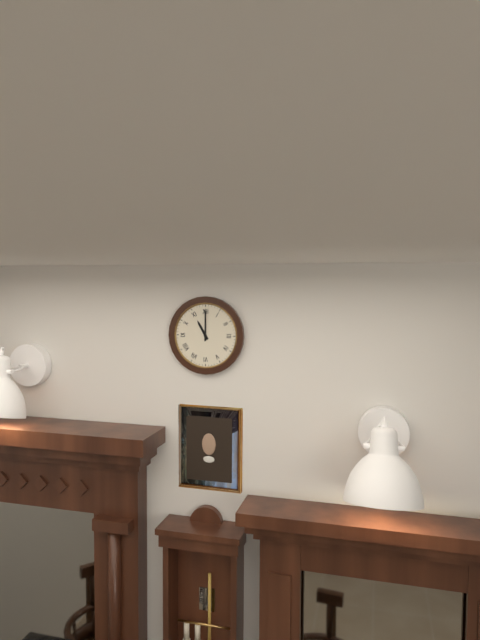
11:00
